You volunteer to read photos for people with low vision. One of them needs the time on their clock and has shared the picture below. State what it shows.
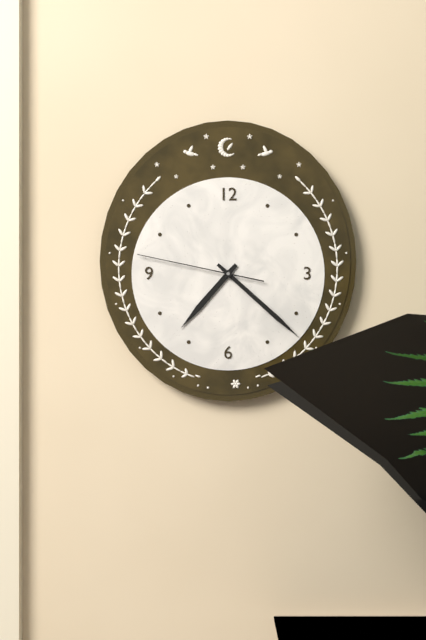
7:22:47
